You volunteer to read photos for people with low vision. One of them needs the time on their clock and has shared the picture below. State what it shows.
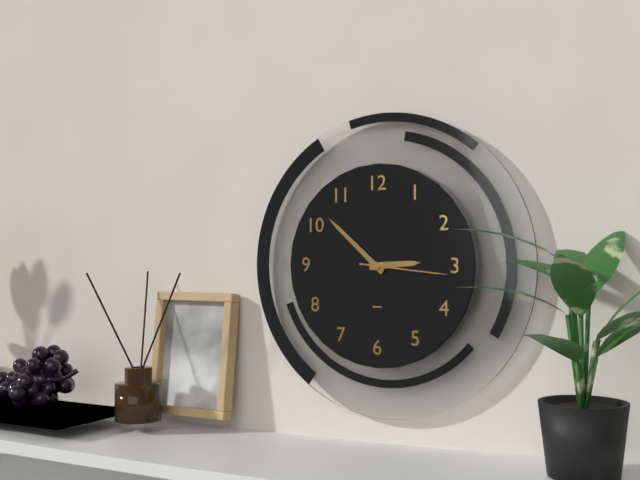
2:52:16
